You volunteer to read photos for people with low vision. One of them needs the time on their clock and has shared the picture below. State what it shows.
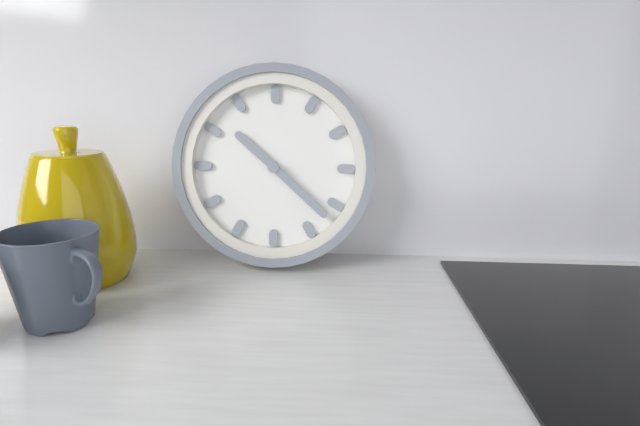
10:22
